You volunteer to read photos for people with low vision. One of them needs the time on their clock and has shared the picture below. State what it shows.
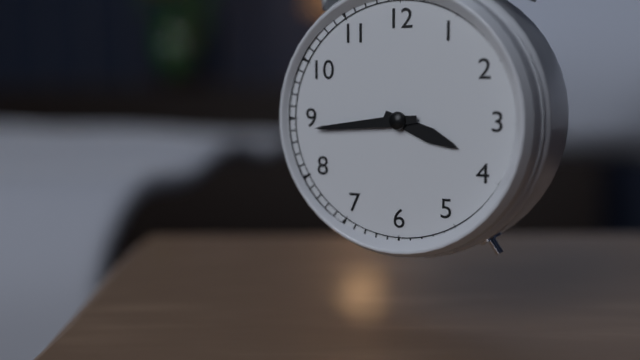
3:44
